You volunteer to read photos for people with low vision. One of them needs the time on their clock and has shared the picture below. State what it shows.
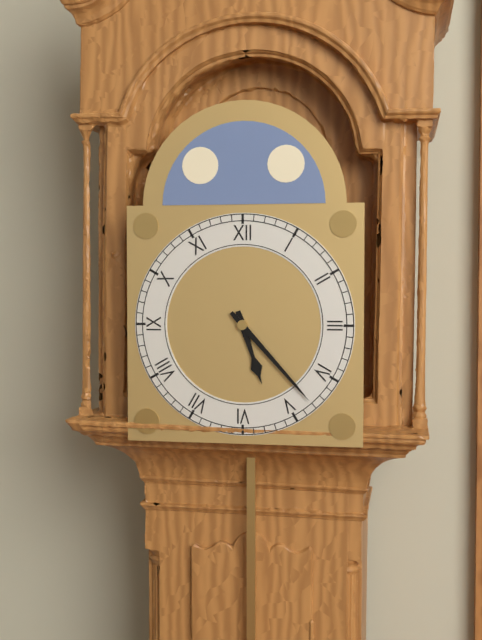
5:23
